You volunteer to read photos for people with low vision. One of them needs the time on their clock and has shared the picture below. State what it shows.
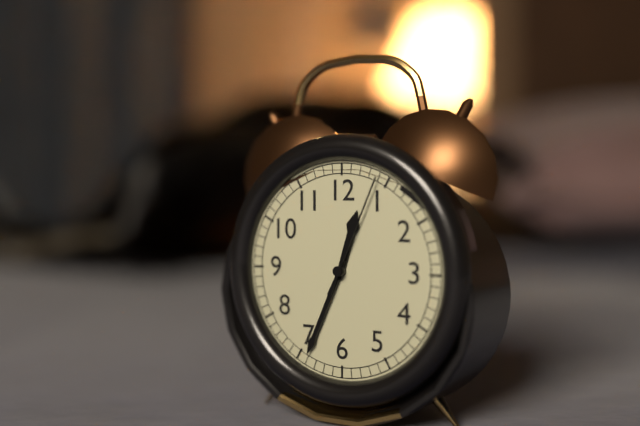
12:34:04
